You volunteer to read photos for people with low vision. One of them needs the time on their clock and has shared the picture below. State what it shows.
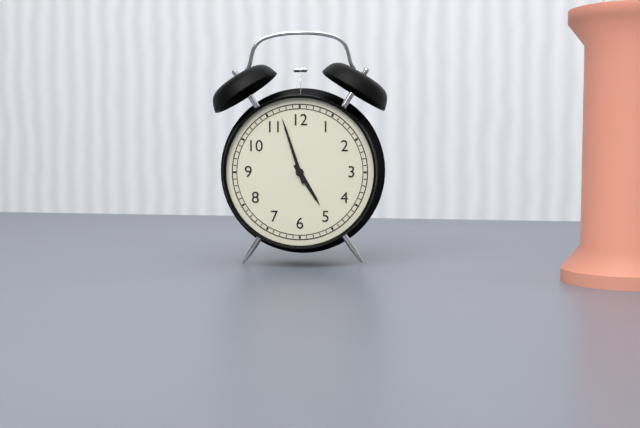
4:57
